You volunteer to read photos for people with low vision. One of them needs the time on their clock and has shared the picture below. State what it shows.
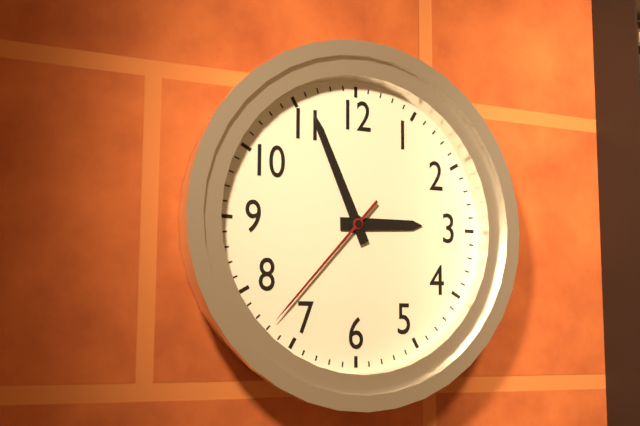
2:56:37
